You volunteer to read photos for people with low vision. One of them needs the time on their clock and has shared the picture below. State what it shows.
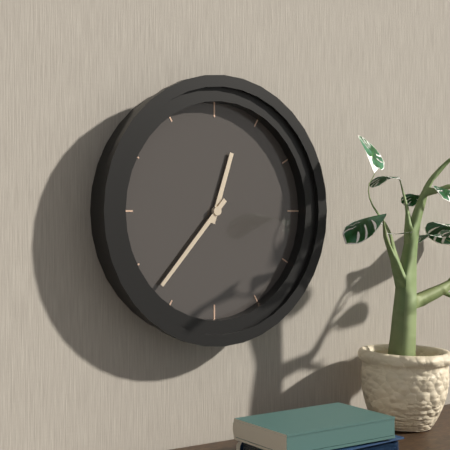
12:37
